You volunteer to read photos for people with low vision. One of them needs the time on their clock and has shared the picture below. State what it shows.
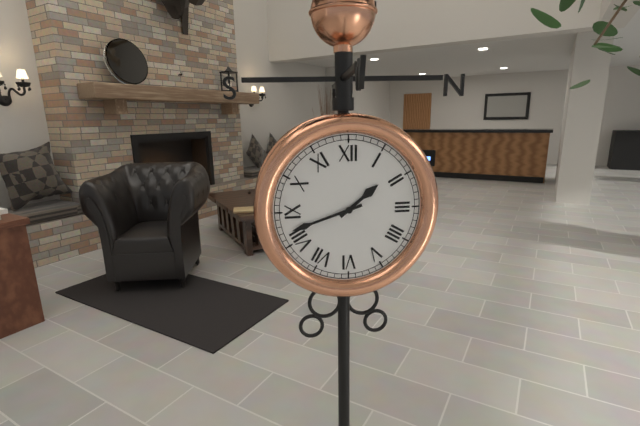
1:42
